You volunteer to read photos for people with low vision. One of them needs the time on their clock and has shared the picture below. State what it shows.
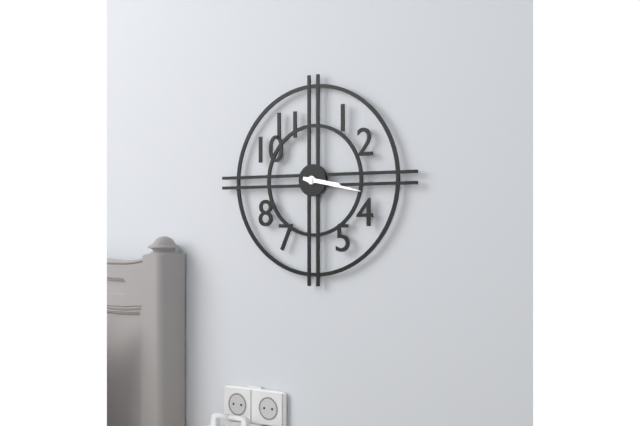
3:17
